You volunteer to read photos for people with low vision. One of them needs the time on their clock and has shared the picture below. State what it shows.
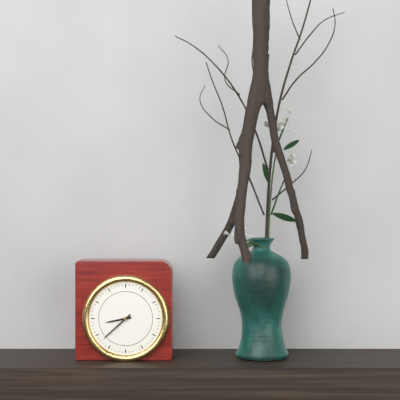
8:38
